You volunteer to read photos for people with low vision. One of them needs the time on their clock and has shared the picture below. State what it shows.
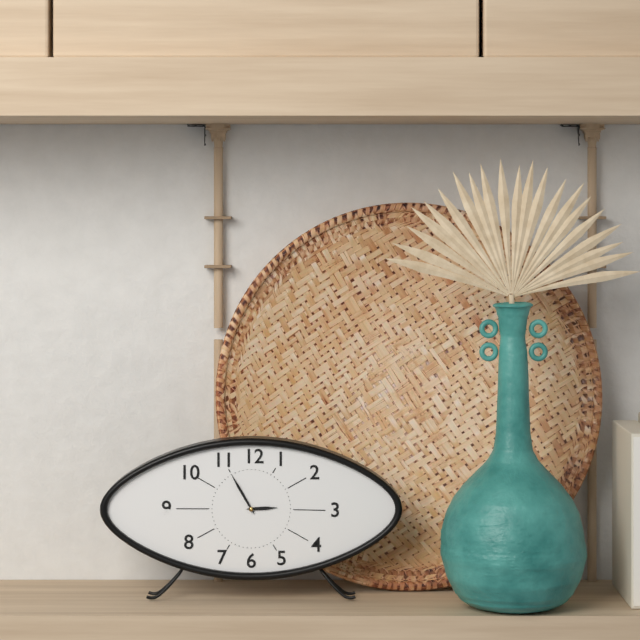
2:55
